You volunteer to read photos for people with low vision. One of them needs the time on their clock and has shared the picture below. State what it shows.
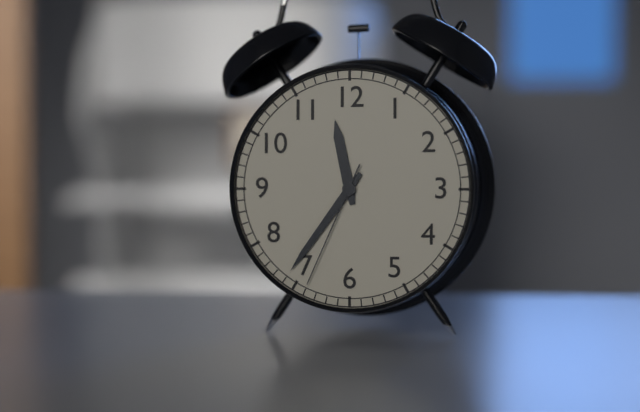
11:36:34
